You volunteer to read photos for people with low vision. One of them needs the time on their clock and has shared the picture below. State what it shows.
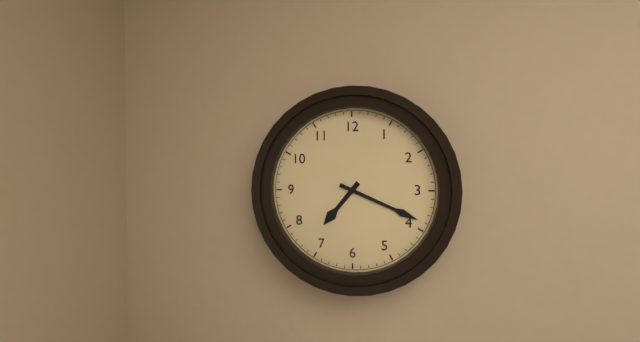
7:19
